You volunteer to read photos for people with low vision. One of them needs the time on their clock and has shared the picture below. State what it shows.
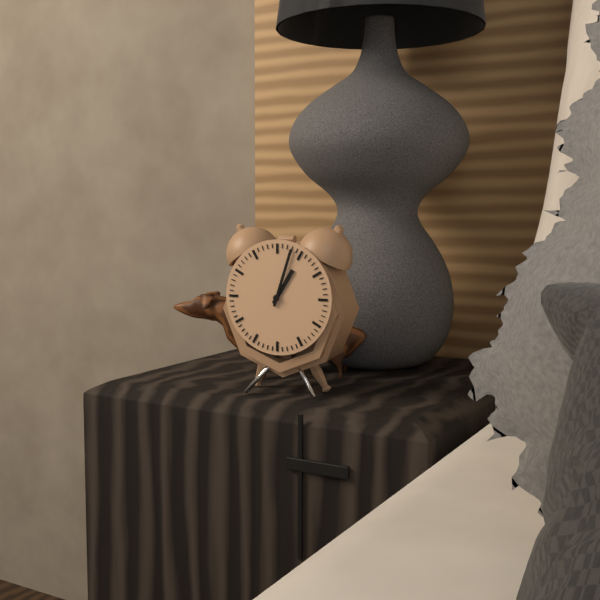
1:03
